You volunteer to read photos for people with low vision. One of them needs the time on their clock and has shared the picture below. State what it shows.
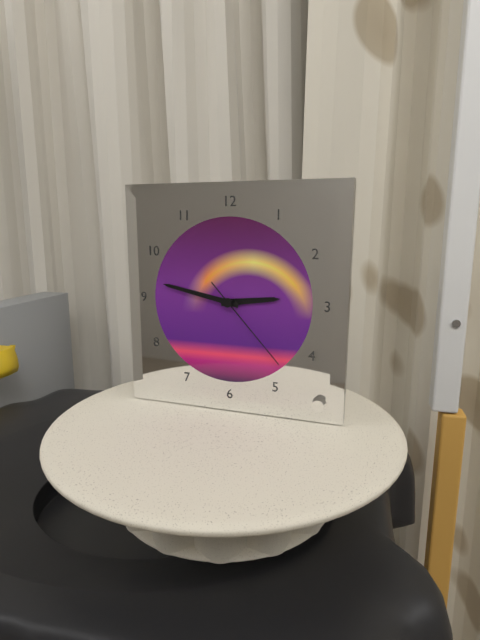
2:47:23
